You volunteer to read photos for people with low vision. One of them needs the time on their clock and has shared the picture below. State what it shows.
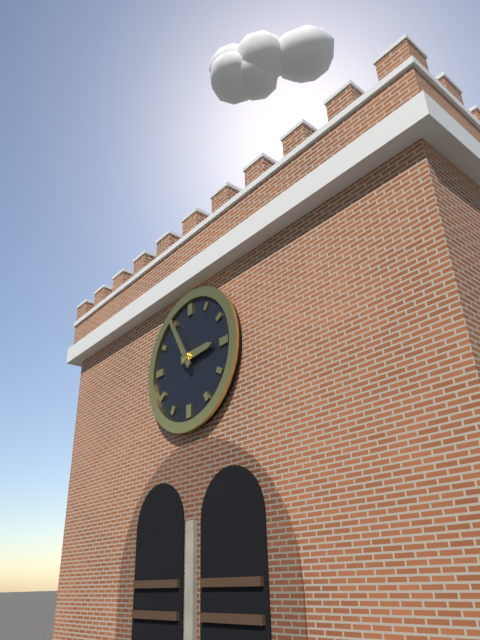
2:55
